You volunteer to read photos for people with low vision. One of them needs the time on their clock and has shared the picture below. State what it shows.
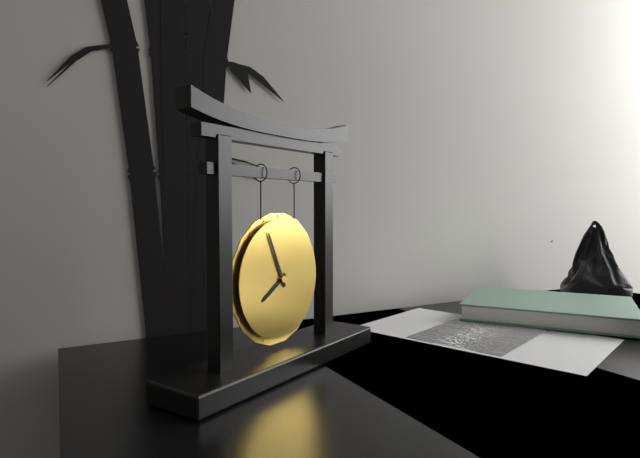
7:56
